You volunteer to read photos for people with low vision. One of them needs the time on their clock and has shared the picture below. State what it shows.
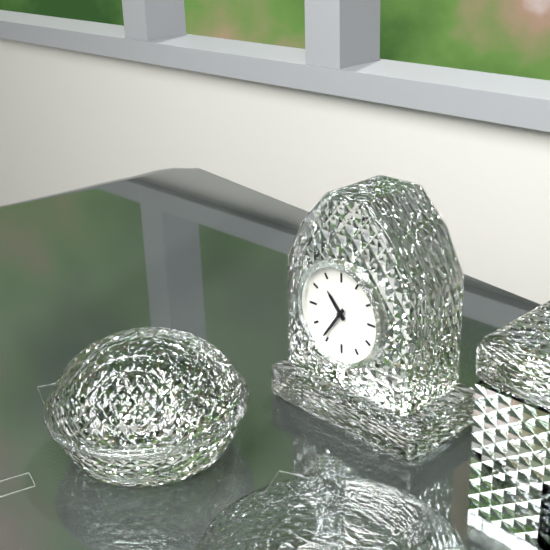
10:36
